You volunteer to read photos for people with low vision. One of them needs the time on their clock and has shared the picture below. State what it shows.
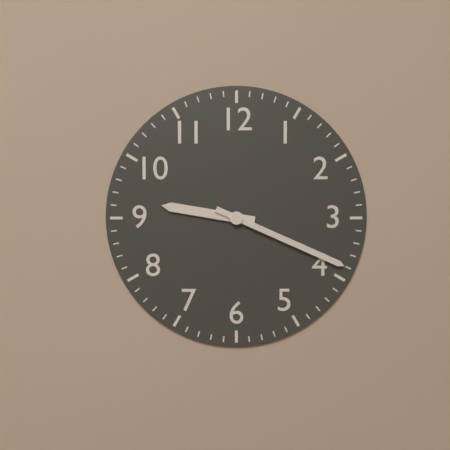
9:19
